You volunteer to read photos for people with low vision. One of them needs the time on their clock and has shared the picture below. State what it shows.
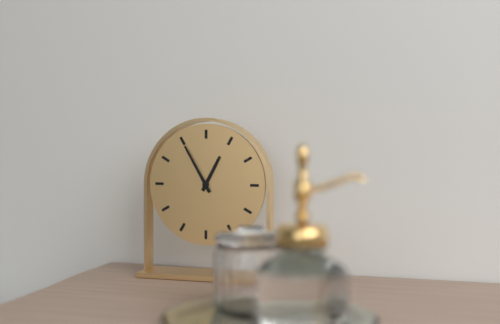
12:55
